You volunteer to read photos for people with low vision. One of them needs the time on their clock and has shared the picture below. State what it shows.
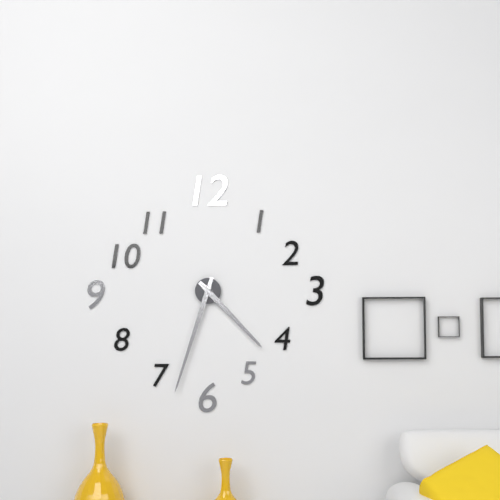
4:33
